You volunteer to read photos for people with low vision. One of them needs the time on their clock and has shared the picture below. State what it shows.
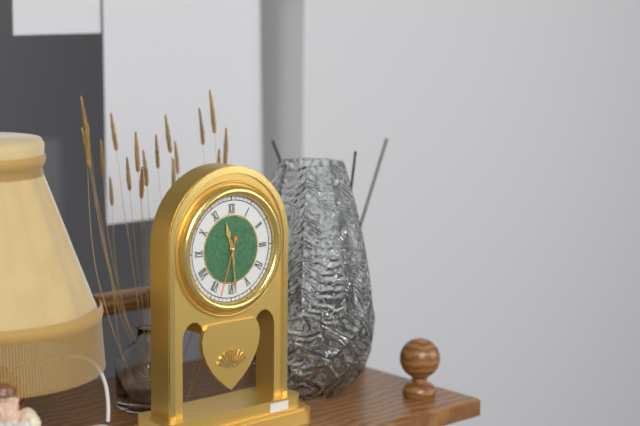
11:29:33
